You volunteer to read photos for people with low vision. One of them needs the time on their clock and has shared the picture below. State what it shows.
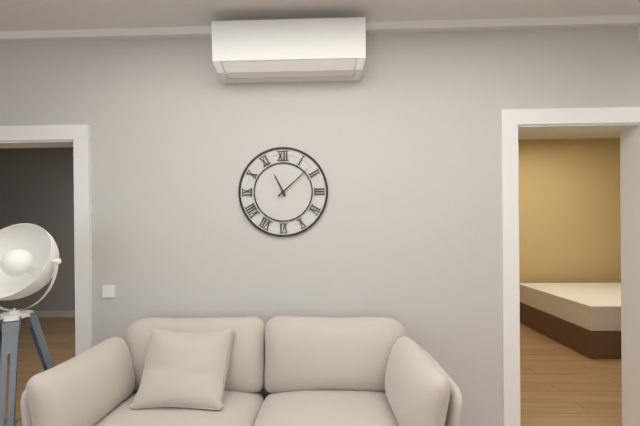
11:08
